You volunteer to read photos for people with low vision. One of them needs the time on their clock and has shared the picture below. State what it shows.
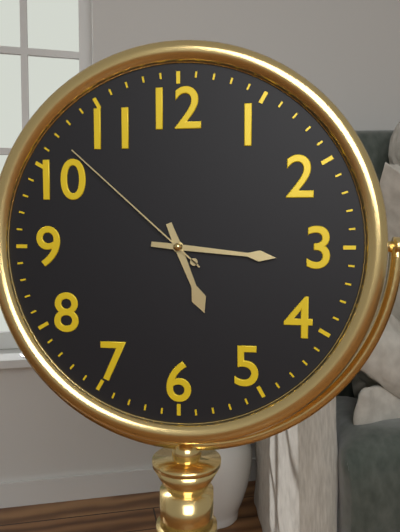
5:16:52
